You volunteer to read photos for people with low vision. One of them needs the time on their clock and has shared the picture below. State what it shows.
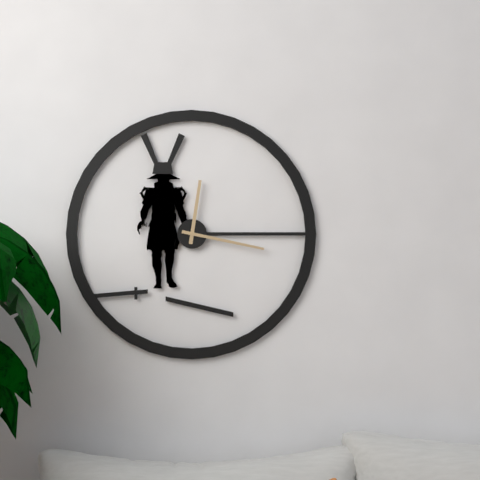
12:17
